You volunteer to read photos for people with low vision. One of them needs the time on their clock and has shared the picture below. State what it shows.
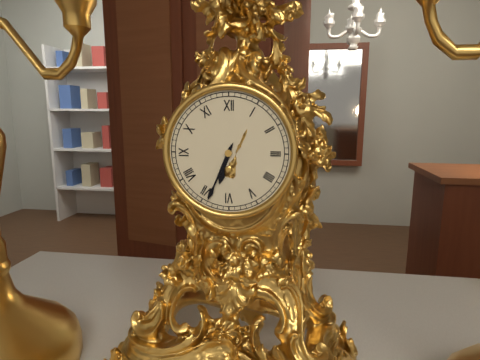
6:34
